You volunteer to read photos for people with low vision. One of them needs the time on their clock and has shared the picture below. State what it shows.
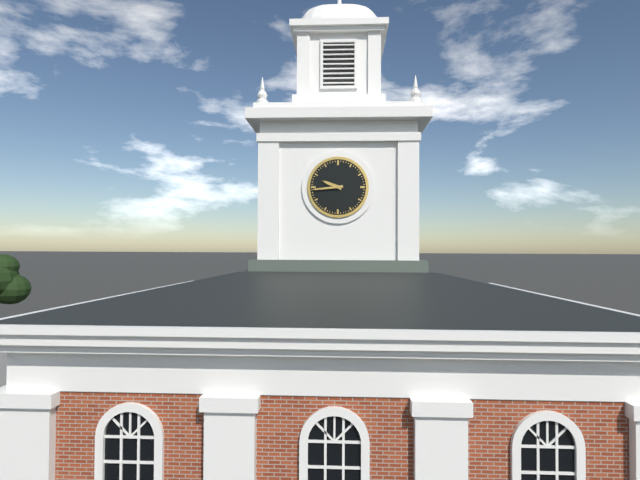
9:44
